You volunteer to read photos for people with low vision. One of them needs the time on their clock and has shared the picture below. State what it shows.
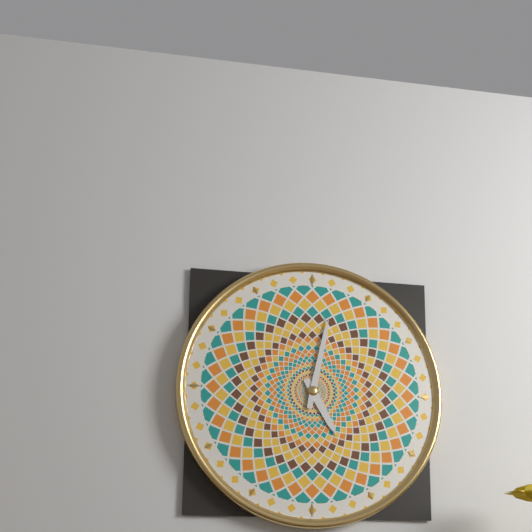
5:02
